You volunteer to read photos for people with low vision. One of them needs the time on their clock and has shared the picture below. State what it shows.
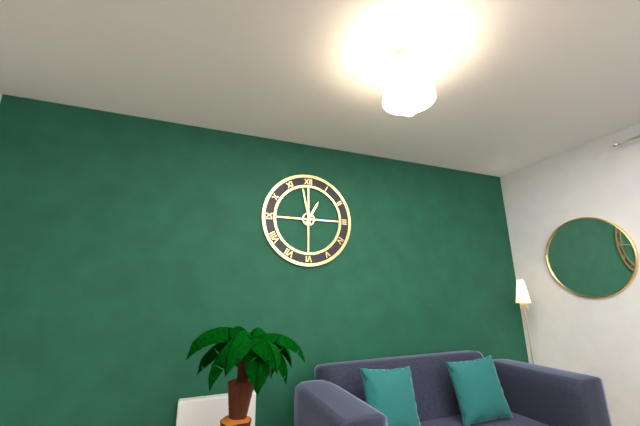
12:58
